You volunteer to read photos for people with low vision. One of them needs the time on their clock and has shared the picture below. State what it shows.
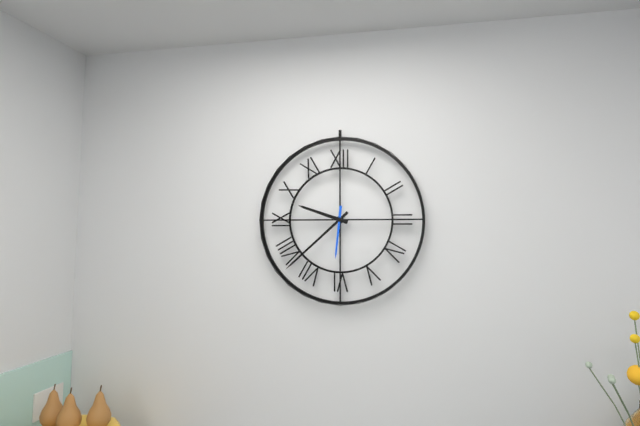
9:38
